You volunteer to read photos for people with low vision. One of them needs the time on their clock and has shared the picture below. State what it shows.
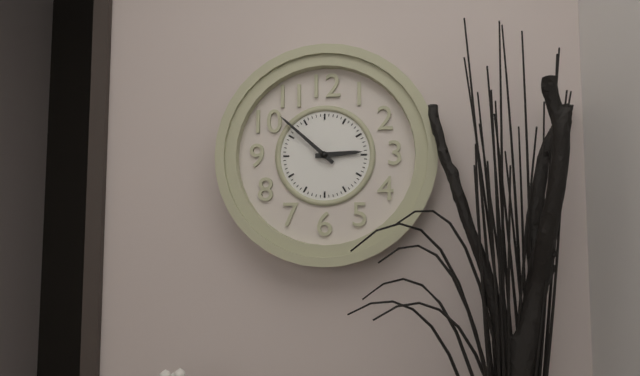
2:52
